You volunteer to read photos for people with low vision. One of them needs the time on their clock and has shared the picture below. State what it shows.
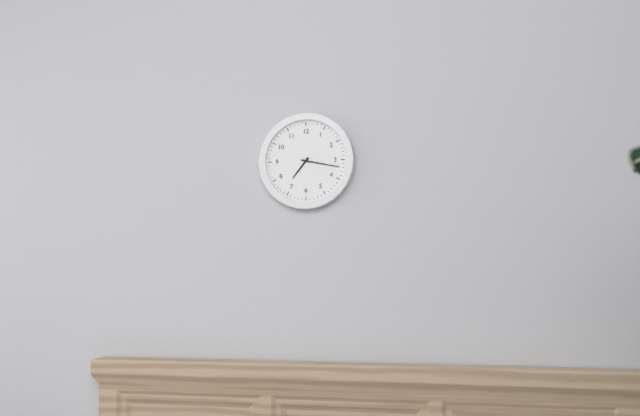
7:17
